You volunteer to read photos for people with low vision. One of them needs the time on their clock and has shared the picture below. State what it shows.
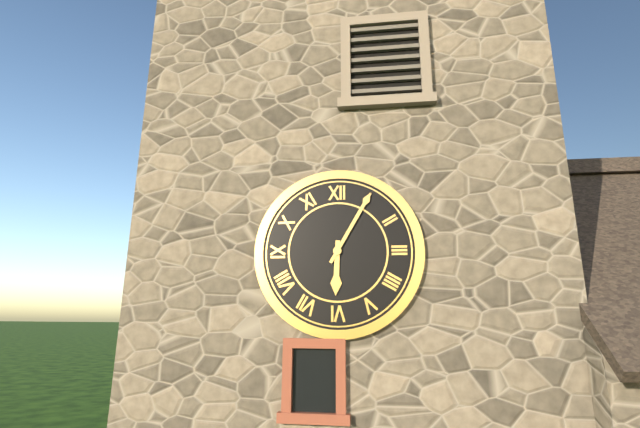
6:05
